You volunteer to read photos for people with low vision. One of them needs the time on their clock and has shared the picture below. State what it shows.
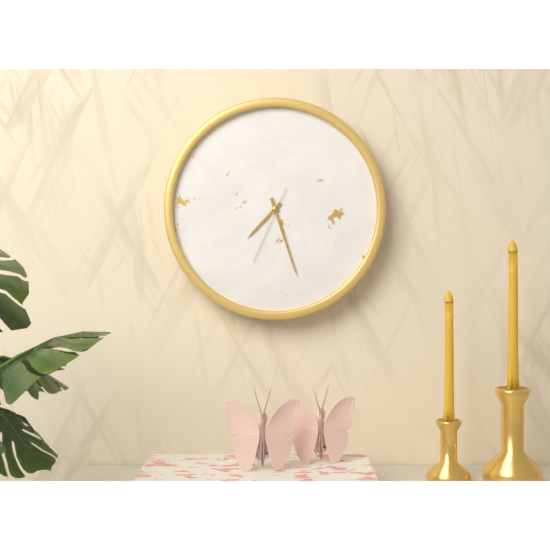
7:27:34
